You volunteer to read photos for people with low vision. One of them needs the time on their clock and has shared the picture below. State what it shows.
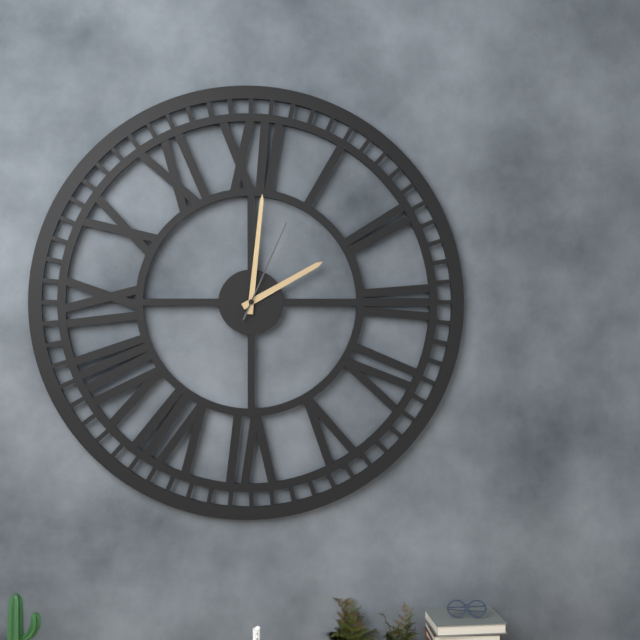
2:01:04
